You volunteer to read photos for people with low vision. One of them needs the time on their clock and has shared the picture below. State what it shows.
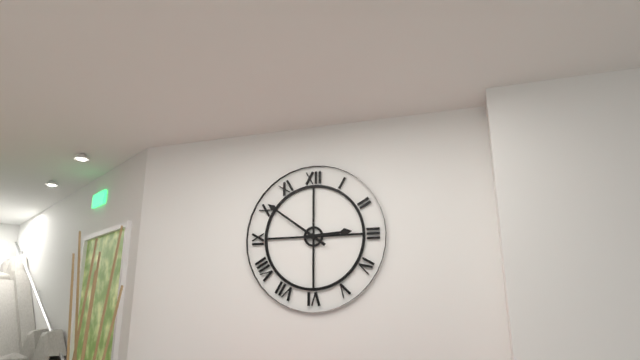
2:51
